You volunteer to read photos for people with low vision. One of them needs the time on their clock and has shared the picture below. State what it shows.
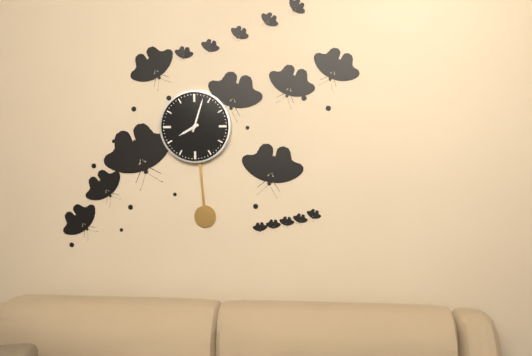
8:03
